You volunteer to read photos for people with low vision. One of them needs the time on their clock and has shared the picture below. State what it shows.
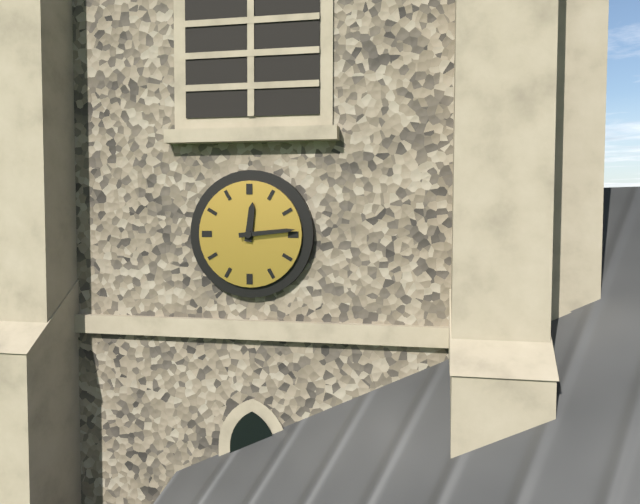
12:14
